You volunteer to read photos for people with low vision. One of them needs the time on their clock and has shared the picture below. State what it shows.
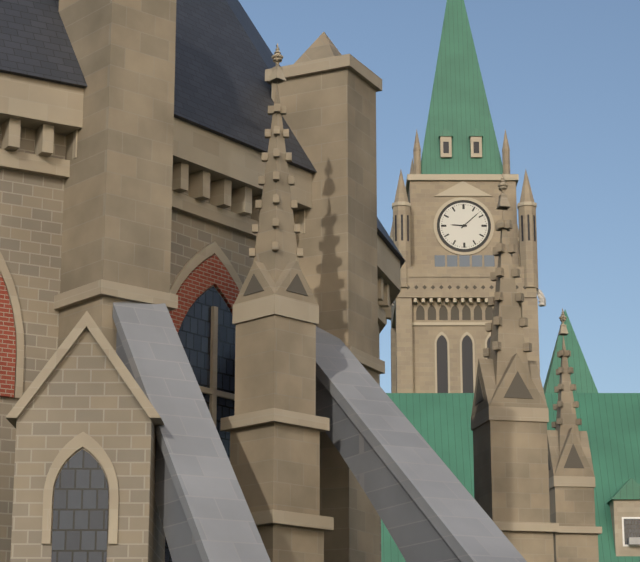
9:08
